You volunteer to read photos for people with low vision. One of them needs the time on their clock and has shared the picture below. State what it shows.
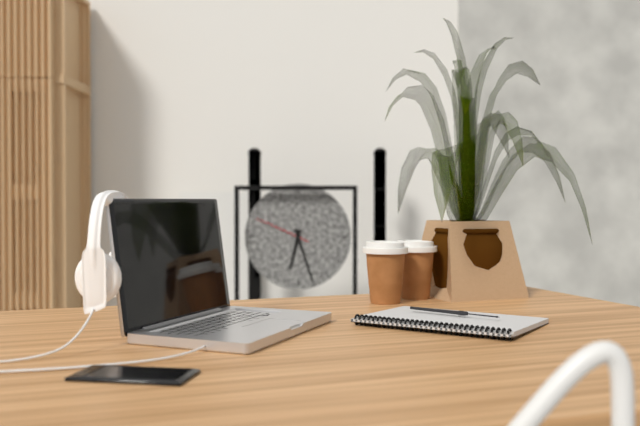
6:27:49
